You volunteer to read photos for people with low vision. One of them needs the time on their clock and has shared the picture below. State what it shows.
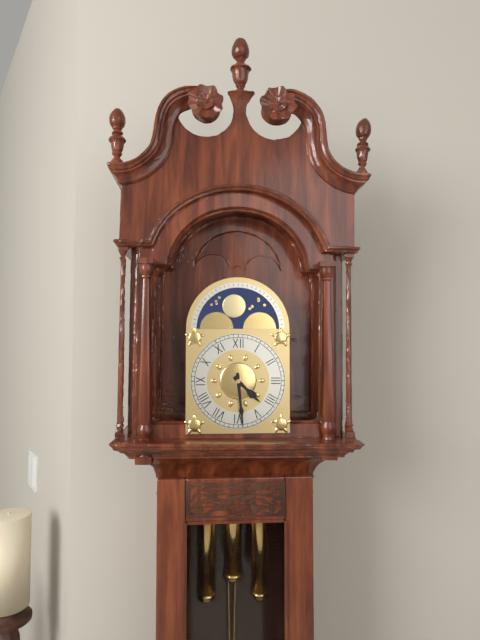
4:29
